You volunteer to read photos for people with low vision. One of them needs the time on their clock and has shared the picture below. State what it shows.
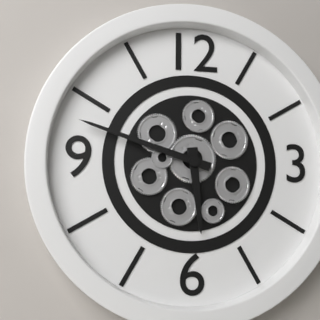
5:48
